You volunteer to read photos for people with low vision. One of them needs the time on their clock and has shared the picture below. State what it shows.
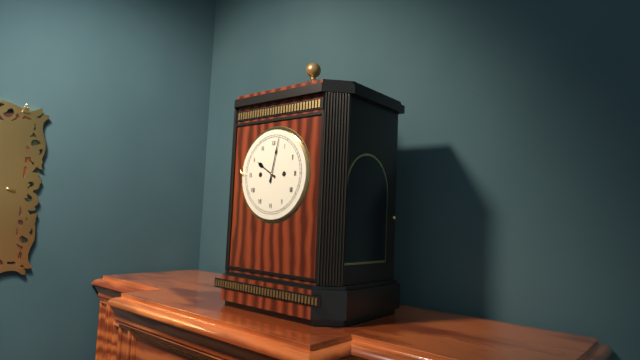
10:02
